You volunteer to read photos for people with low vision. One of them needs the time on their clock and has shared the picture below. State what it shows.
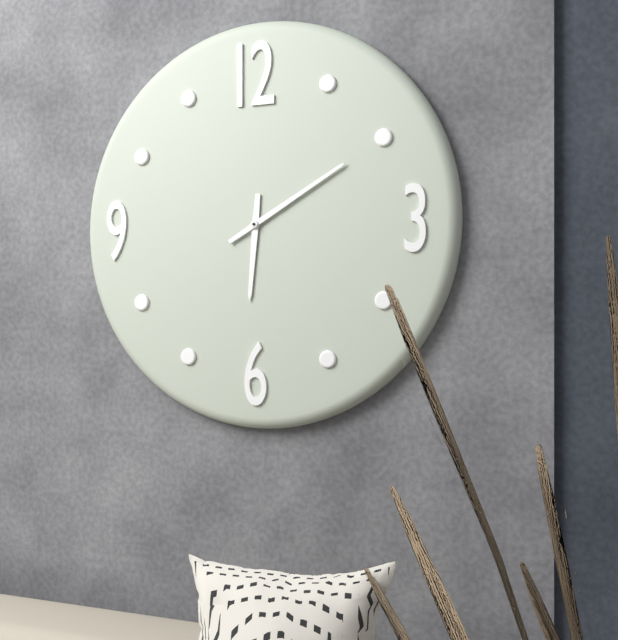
6:10
